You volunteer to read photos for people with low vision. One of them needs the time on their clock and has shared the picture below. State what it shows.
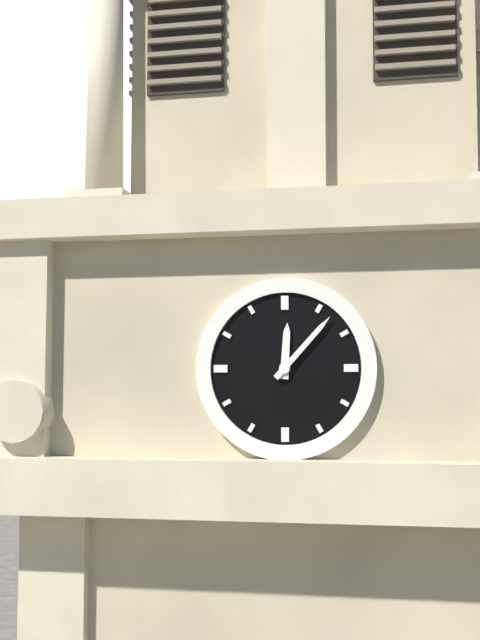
12:07
